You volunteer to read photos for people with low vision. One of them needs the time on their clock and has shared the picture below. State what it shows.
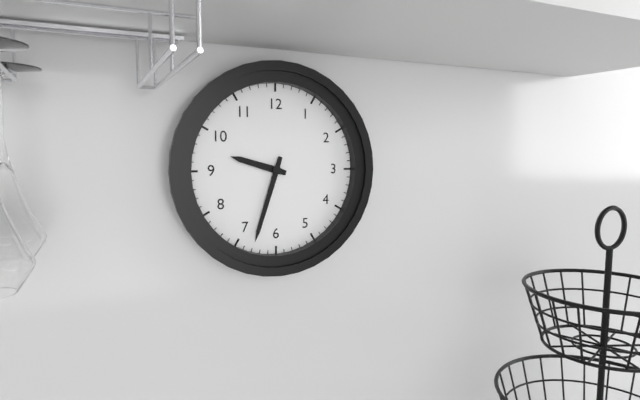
9:33
